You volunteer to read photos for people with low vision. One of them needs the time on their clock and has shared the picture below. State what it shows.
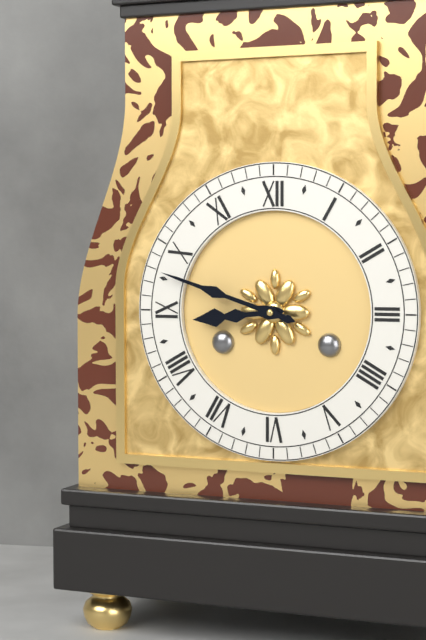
8:48
